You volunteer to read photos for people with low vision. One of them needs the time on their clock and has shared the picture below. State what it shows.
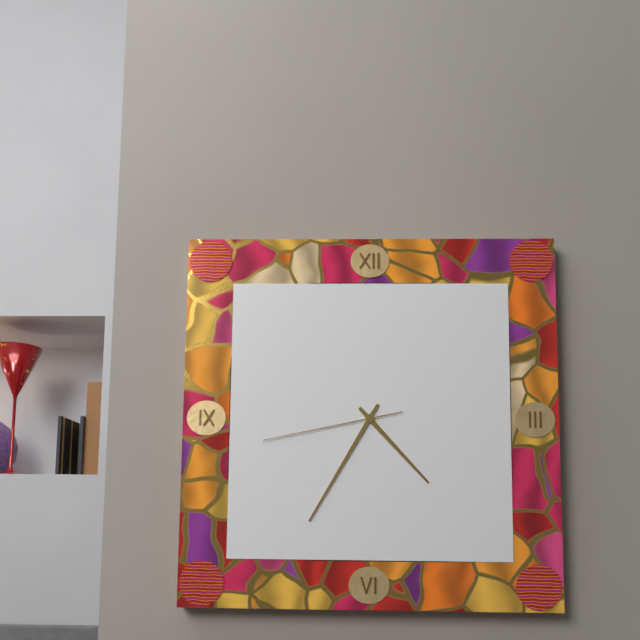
4:35:43
